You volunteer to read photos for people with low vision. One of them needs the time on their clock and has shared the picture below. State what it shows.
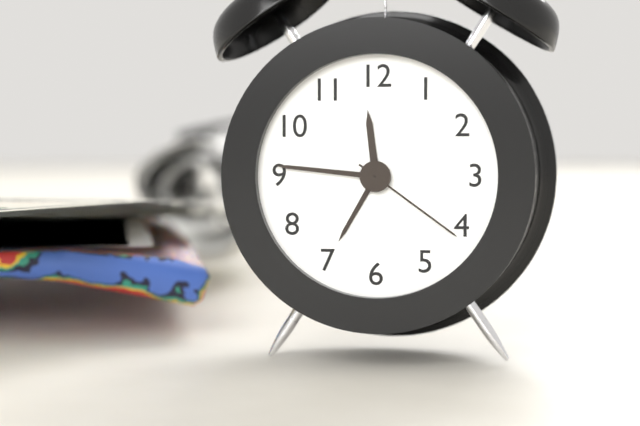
11:46:21
